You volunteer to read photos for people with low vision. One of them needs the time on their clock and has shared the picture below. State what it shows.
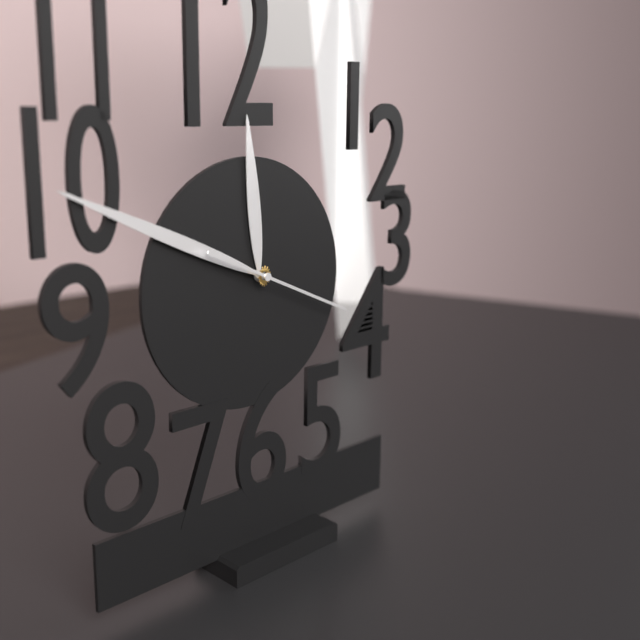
11:49:19
